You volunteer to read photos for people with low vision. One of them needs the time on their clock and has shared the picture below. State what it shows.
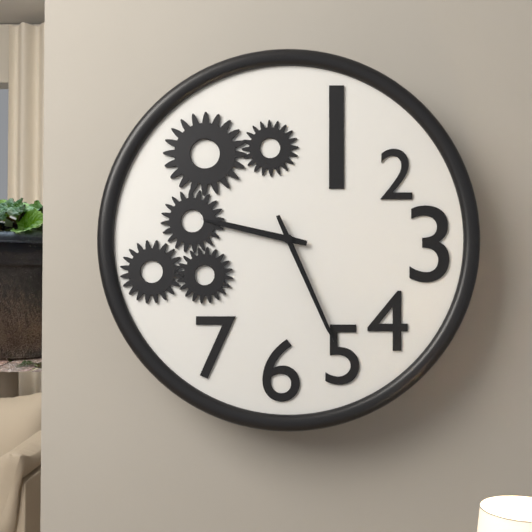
9:26
